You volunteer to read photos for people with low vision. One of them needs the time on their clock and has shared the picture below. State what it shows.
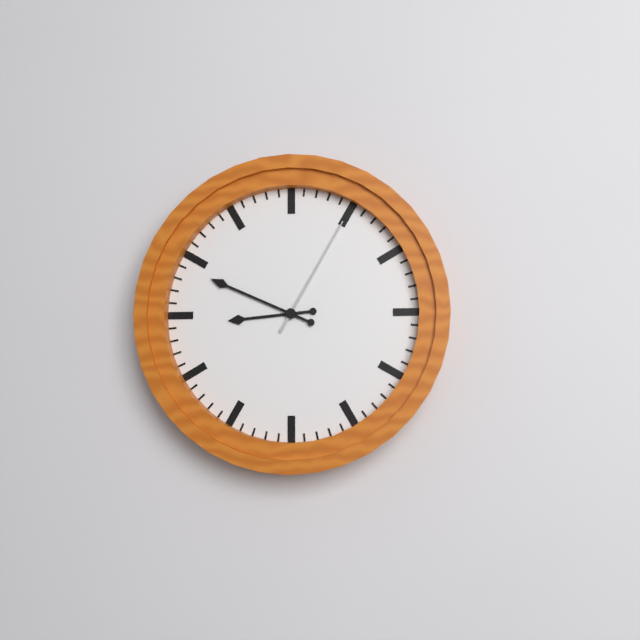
8:49:05
